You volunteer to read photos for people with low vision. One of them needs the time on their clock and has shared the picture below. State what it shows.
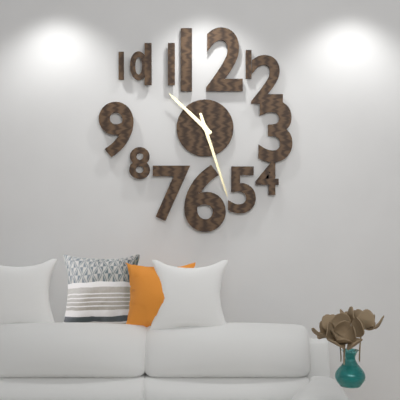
10:27
